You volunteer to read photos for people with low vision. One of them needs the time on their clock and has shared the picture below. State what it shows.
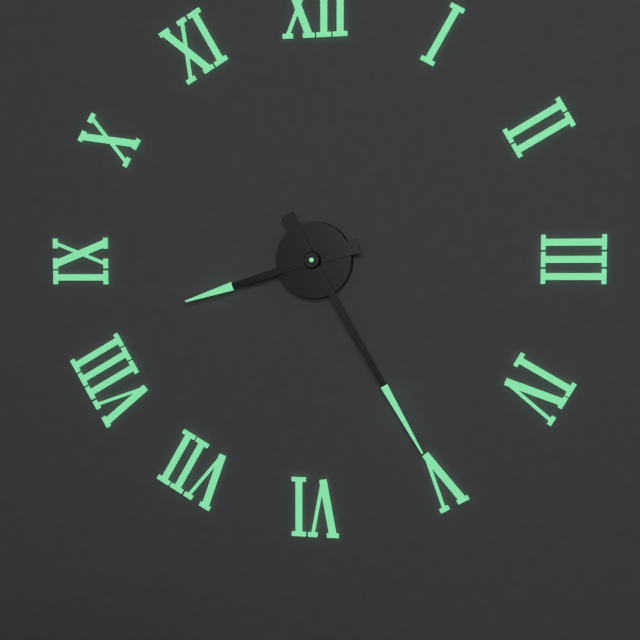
8:25
